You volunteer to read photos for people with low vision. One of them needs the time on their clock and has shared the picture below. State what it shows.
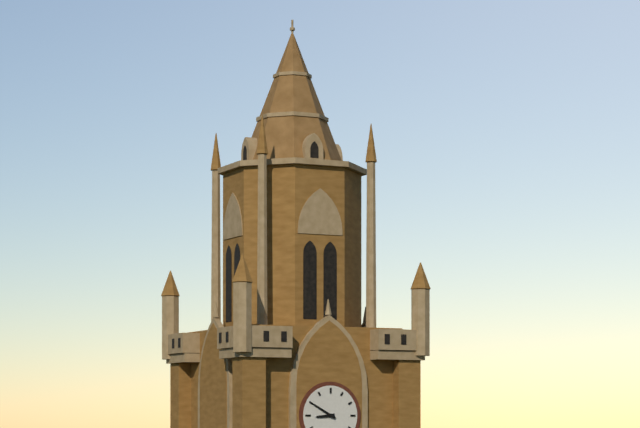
8:50
